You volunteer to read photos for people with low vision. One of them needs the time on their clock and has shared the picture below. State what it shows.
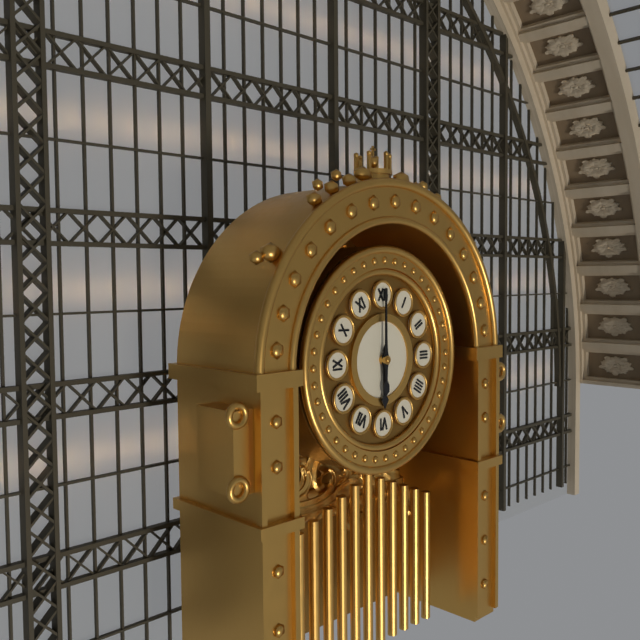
6:00
